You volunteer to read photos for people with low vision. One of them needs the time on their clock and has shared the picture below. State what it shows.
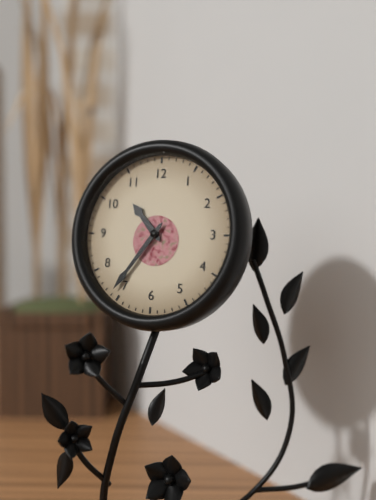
10:36
